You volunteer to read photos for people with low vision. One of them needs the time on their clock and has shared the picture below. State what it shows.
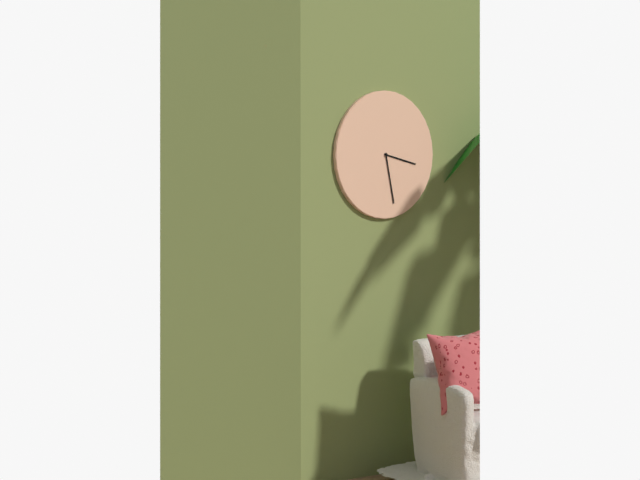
3:28
